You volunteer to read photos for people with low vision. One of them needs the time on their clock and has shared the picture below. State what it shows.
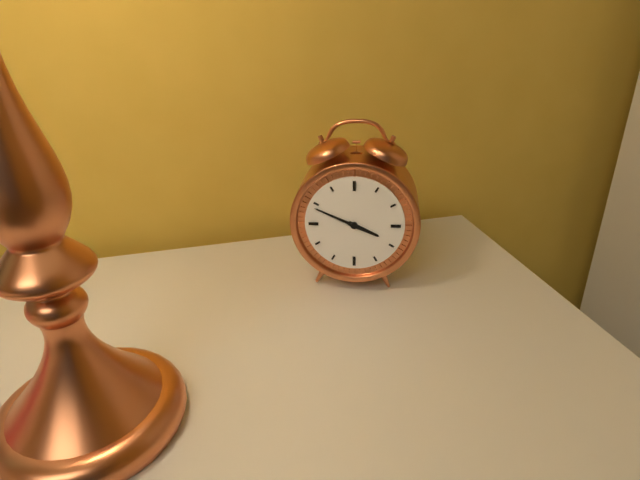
3:49
